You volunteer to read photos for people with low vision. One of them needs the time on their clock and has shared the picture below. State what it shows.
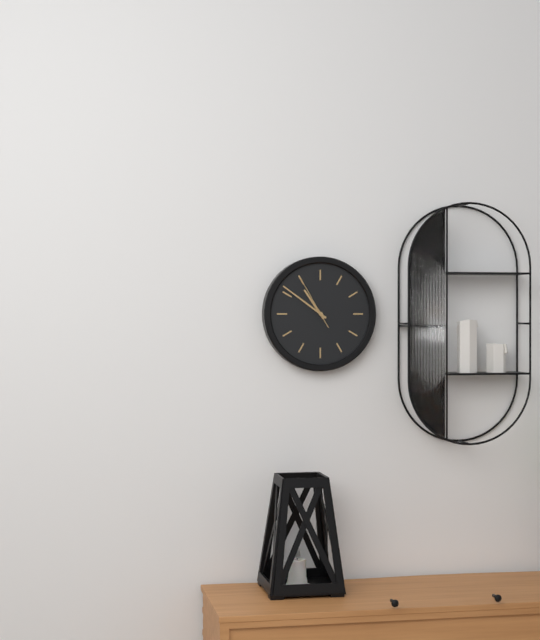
10:51:55
